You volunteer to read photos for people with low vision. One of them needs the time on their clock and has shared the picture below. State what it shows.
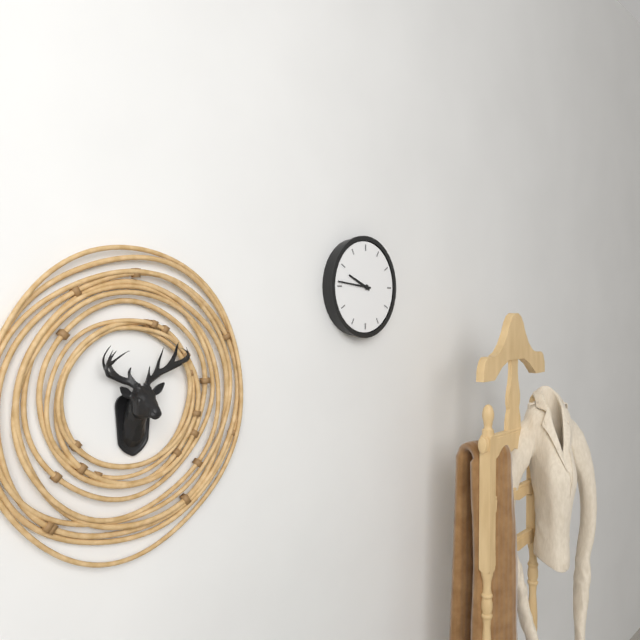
9:46
